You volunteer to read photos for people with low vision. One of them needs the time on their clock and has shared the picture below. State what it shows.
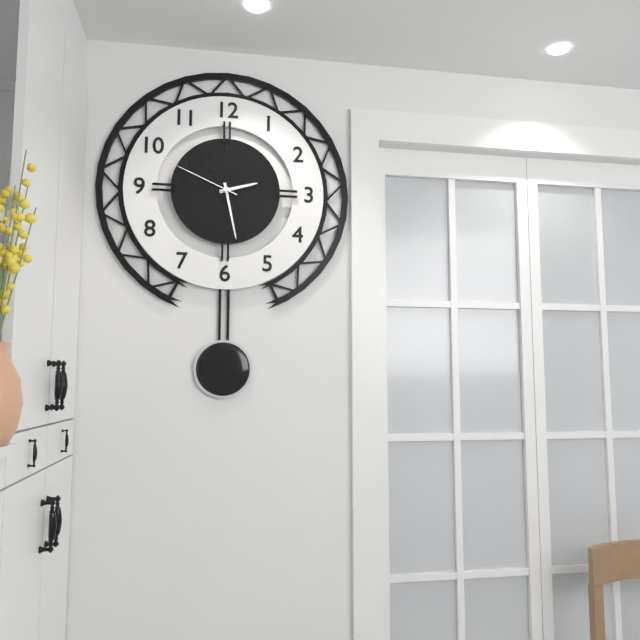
2:28:49
